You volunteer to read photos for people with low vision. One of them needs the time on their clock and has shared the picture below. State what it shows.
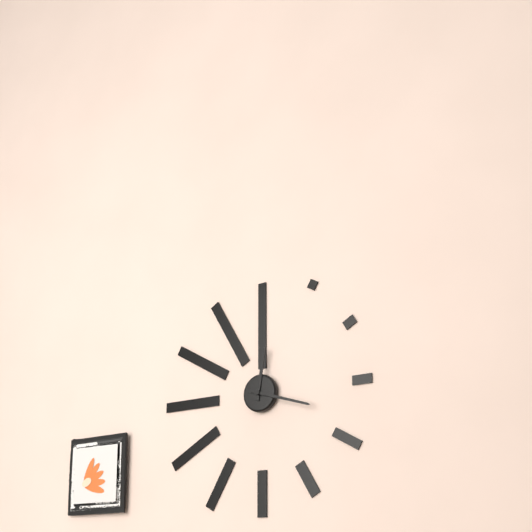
12:18
